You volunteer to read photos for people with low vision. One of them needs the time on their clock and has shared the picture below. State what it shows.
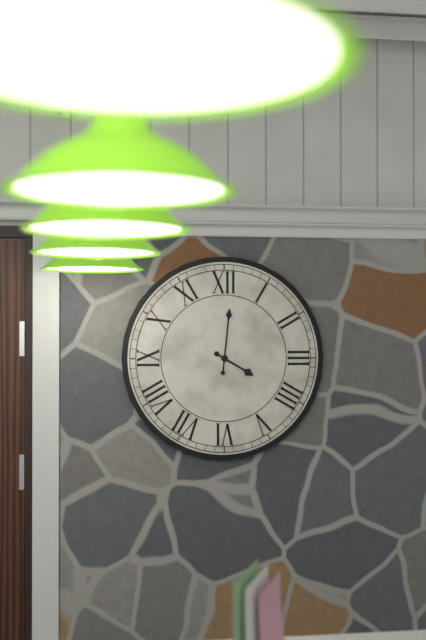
4:01
